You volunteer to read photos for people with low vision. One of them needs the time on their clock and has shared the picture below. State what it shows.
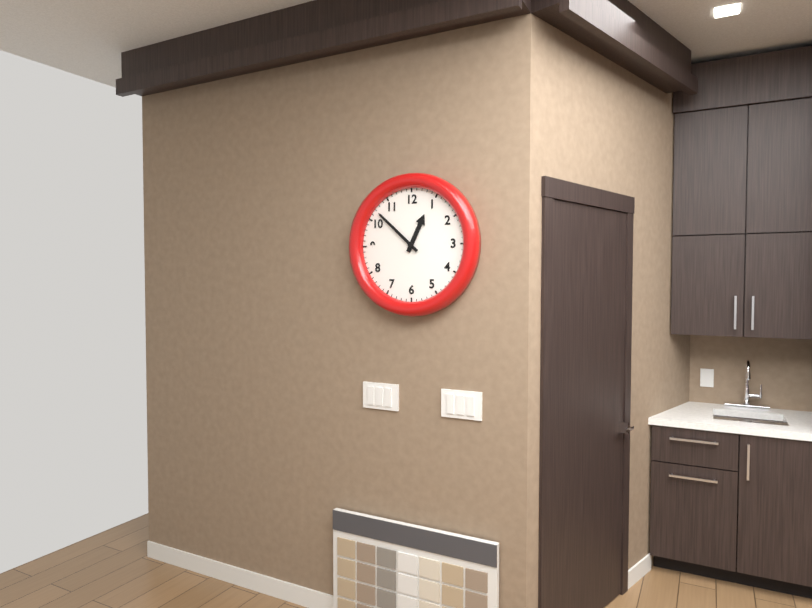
12:52
